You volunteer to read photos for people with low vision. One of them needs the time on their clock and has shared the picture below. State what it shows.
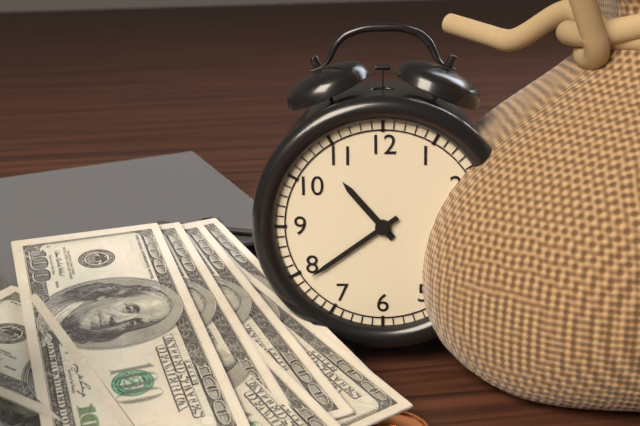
10:39
